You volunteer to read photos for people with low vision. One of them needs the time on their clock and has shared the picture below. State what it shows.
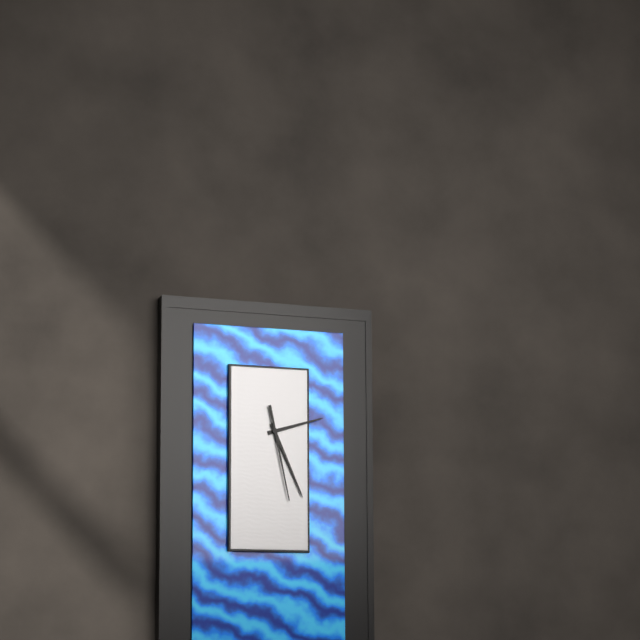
2:26:28
